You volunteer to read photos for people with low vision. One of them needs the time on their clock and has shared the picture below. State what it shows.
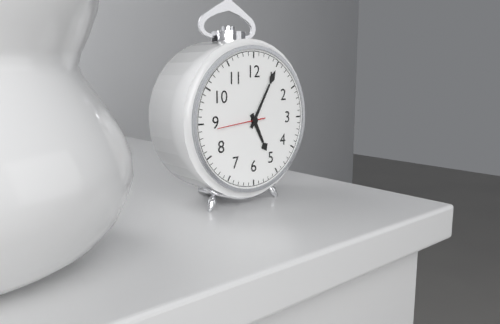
5:05
